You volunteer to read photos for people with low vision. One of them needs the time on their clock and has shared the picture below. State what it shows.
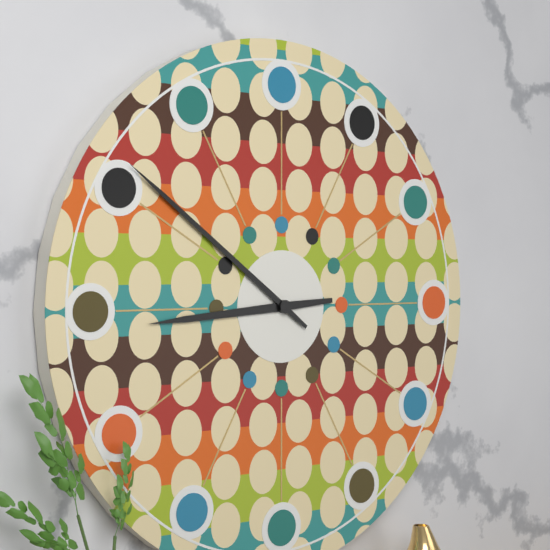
8:51
